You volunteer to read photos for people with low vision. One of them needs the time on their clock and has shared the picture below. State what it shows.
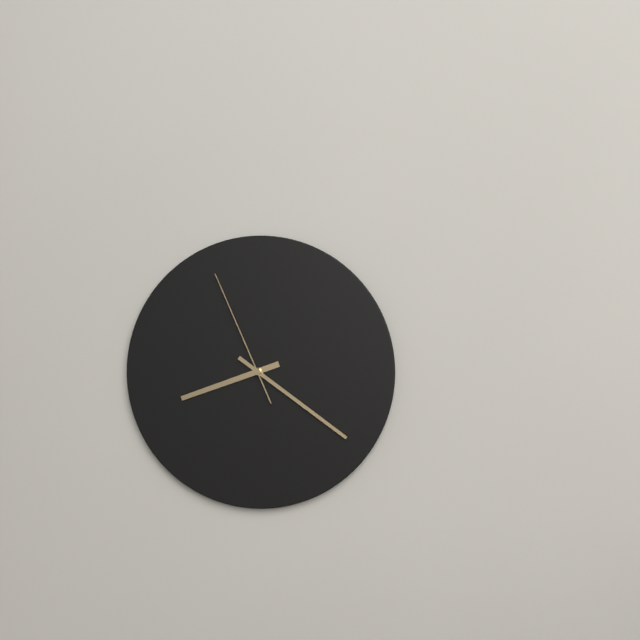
8:21:56
